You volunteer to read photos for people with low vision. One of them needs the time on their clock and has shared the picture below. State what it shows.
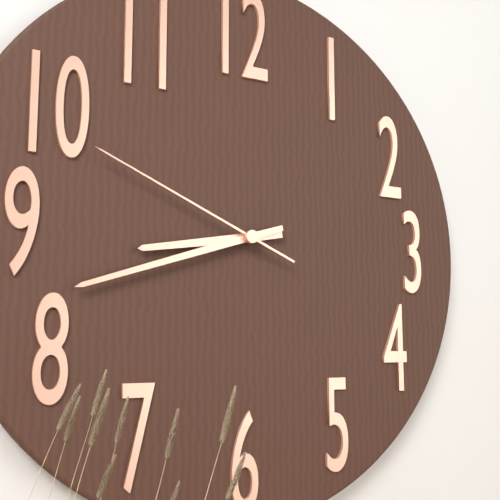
8:42:49
